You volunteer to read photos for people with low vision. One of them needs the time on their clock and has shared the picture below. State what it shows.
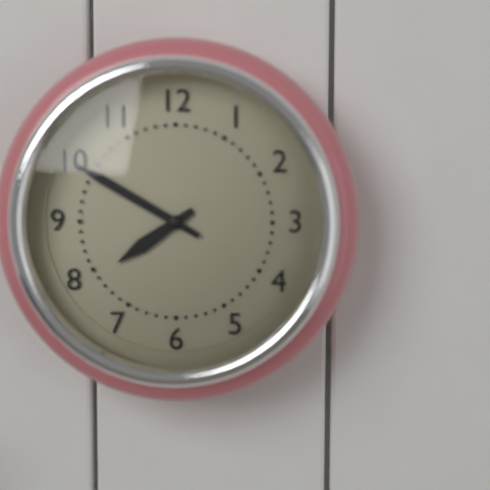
7:50
